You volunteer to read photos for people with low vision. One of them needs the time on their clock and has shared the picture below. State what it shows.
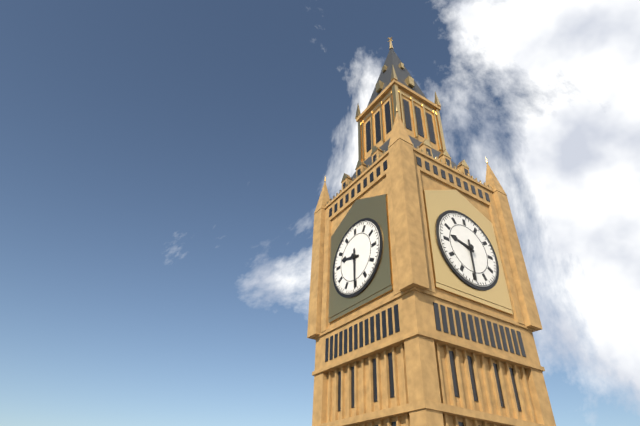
9:30
